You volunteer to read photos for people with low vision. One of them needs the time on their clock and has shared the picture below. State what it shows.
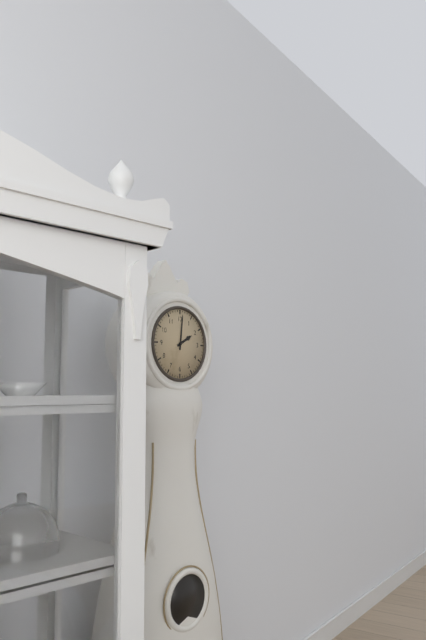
2:01
